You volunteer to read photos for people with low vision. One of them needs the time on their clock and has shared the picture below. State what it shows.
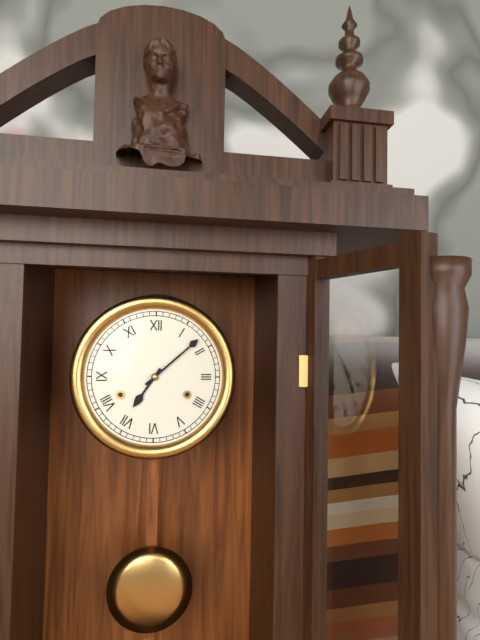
7:08
